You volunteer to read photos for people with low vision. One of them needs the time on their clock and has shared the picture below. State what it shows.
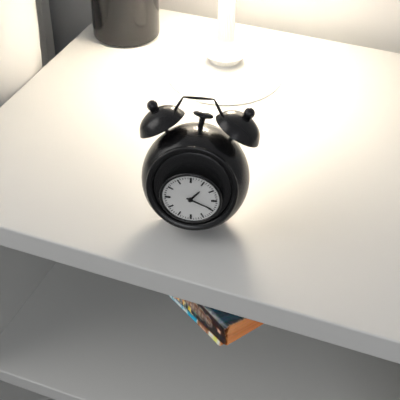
1:19
